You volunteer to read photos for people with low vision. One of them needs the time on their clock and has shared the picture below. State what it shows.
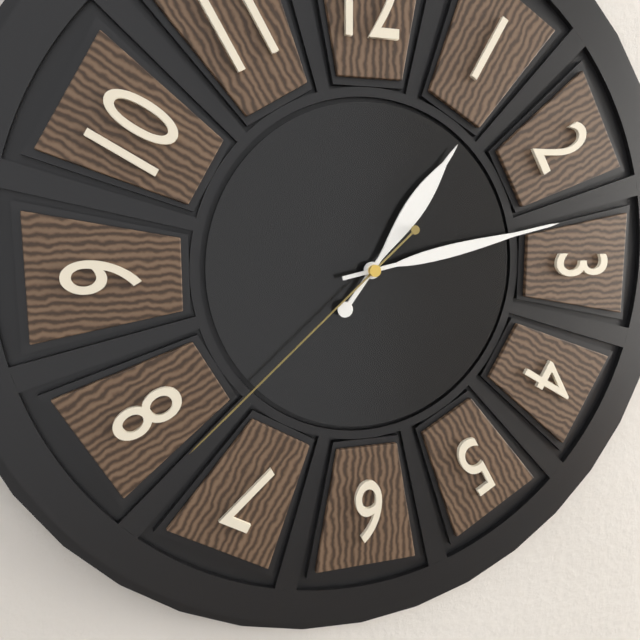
1:13:38
